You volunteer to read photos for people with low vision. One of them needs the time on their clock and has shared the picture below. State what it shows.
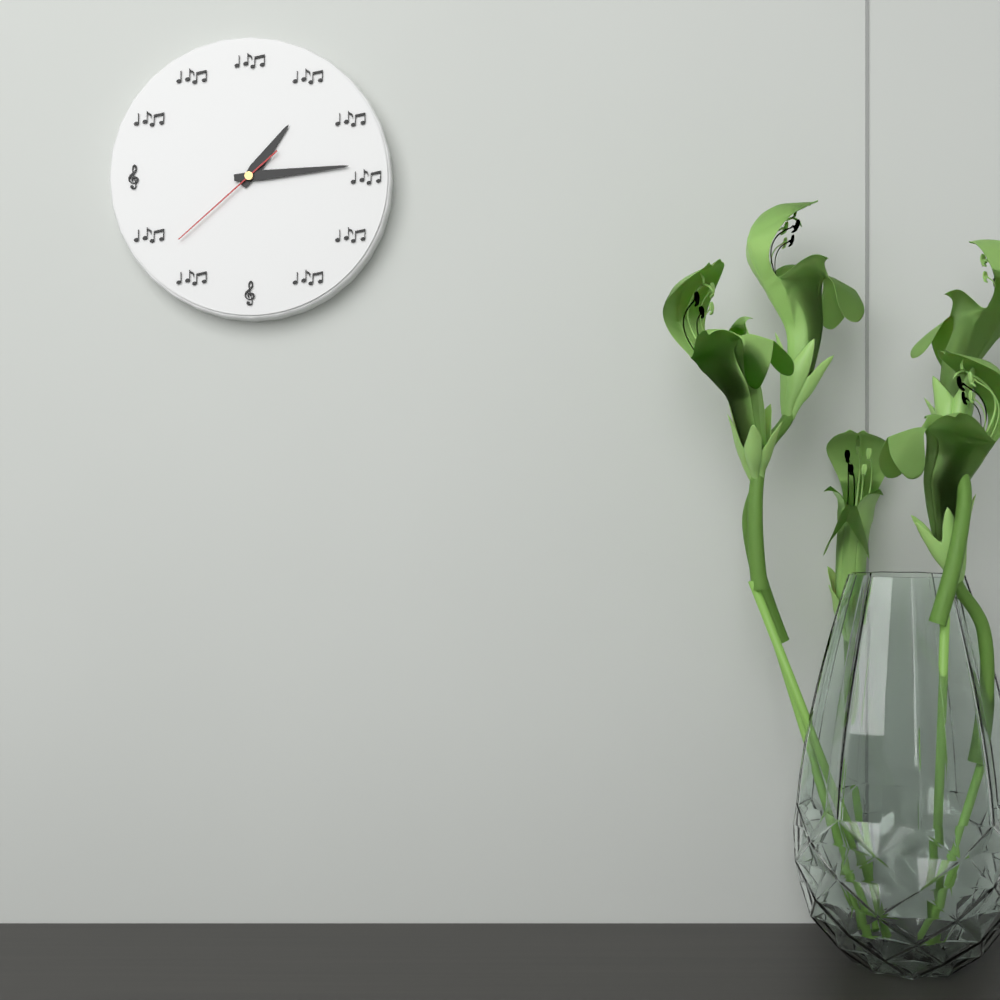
1:14:38
